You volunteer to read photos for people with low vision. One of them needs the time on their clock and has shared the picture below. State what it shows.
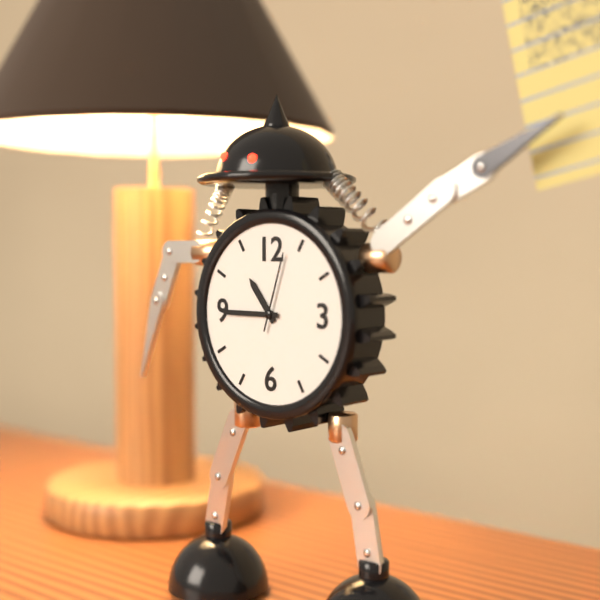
10:45:03
